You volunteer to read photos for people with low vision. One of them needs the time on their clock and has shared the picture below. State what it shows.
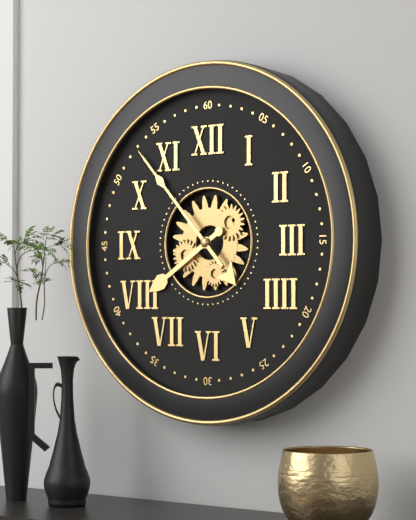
7:53
